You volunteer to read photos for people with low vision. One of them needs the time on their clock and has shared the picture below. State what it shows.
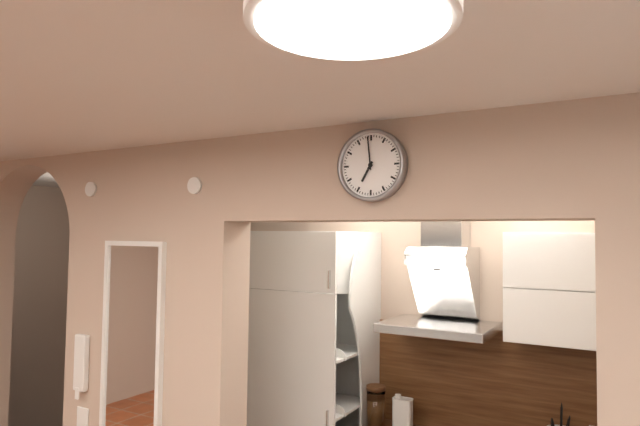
6:59
